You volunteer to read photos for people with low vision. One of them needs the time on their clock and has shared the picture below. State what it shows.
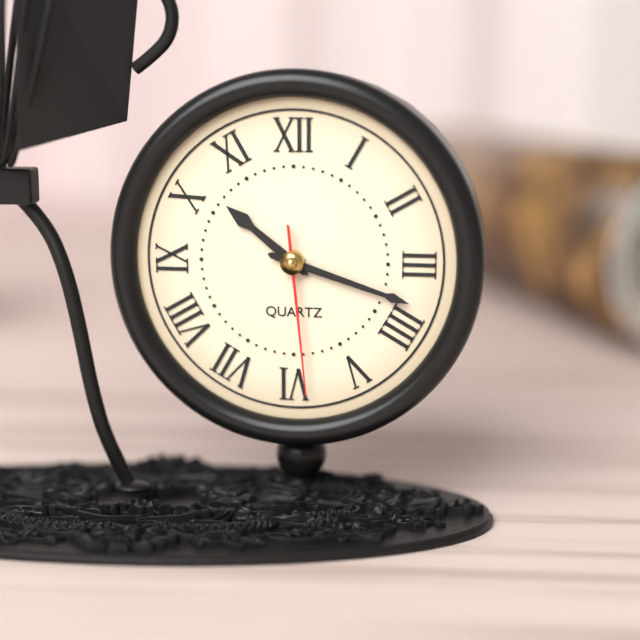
10:18:29
